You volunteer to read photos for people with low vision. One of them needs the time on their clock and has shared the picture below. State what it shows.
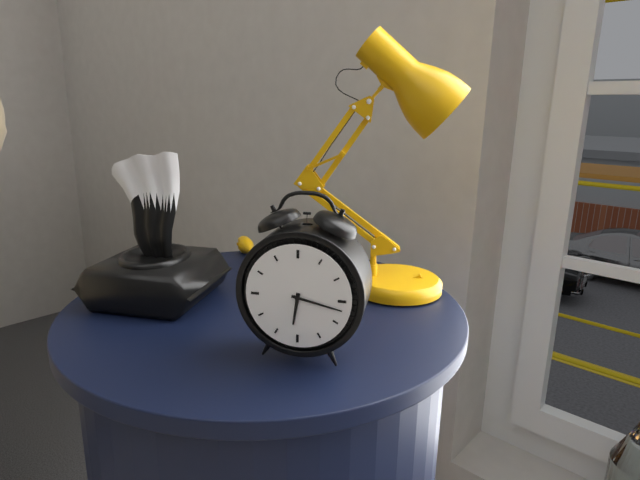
6:17
